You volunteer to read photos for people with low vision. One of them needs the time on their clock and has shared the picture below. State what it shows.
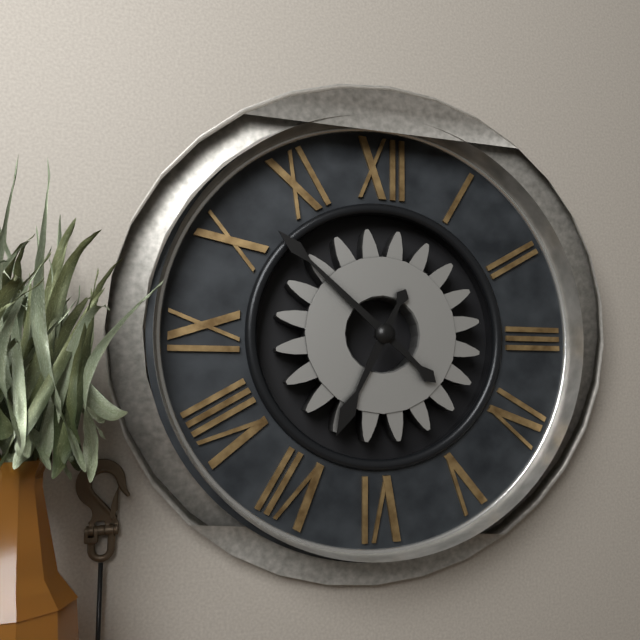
6:52
